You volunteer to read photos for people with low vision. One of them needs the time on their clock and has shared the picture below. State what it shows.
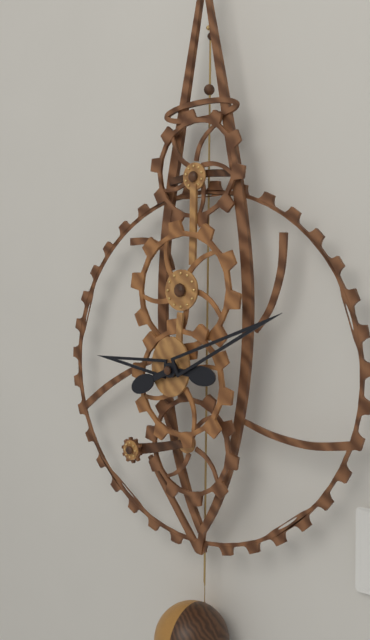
9:11
